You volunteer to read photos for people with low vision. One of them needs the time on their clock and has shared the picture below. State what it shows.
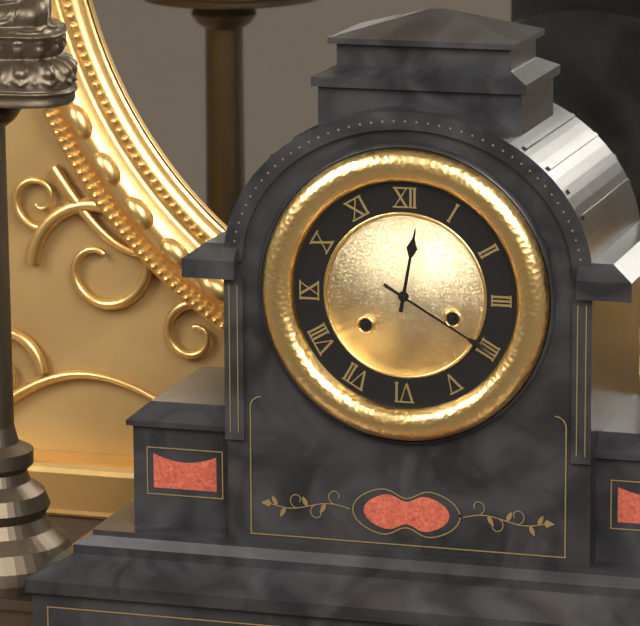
12:20
